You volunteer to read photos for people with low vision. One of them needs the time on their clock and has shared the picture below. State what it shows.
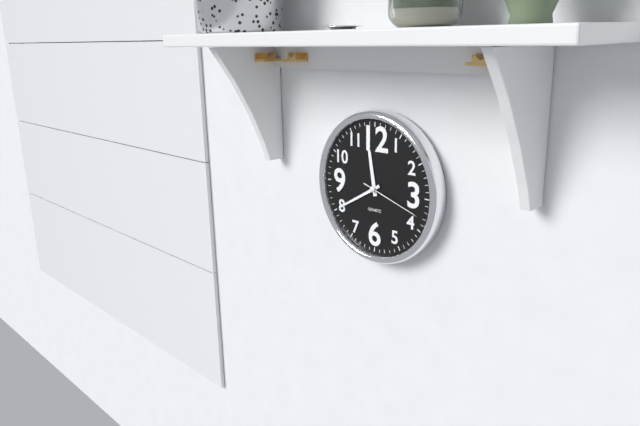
11:40:18
